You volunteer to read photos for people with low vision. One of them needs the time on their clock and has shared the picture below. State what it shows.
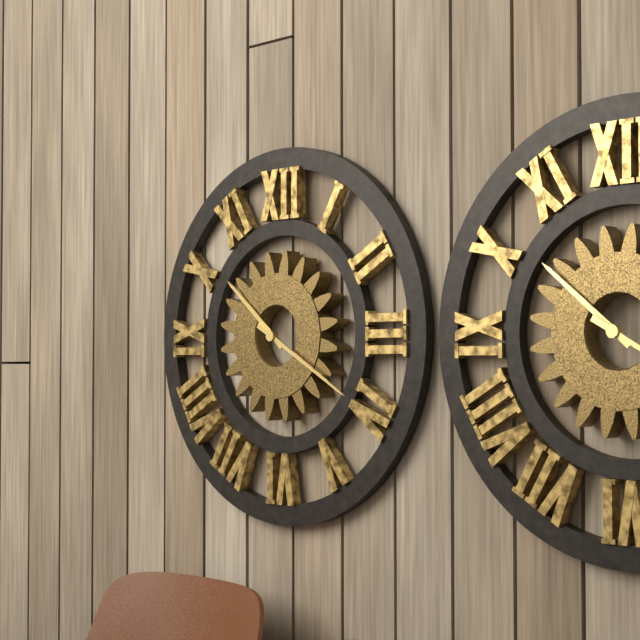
10:20
